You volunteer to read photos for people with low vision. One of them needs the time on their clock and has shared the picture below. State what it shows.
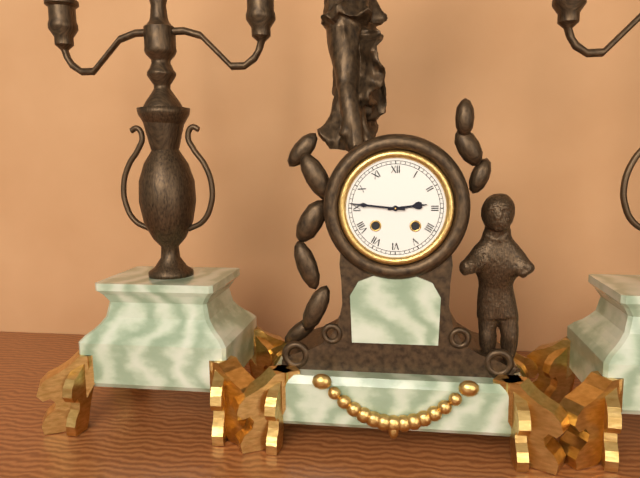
2:46
